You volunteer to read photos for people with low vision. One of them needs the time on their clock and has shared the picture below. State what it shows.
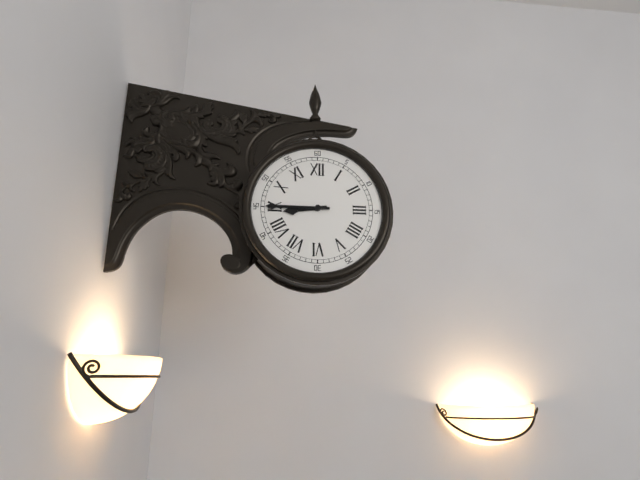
8:45
